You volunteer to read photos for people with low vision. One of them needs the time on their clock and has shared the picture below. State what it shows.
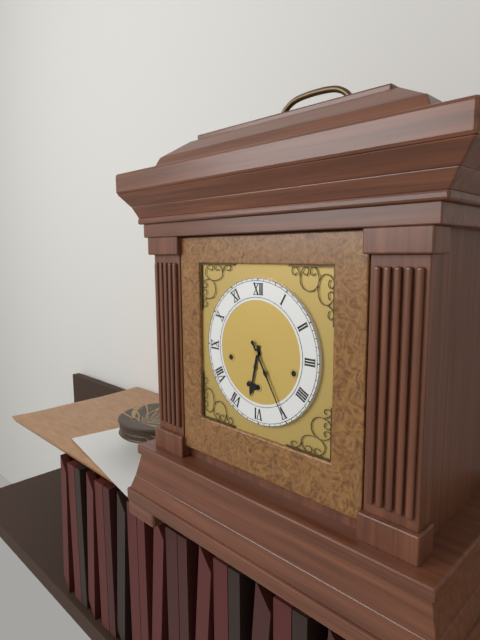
6:25
